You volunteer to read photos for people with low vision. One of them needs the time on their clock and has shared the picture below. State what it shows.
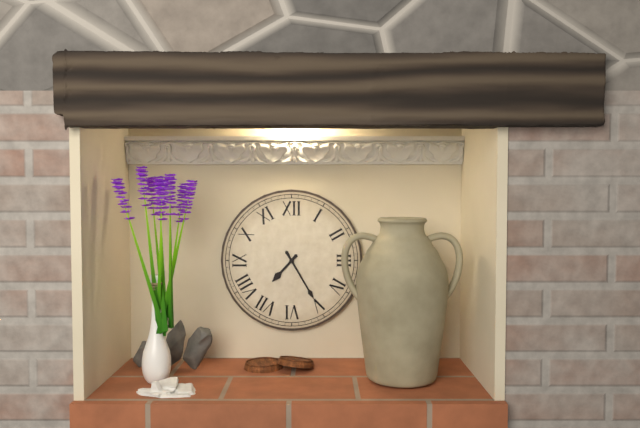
7:25
